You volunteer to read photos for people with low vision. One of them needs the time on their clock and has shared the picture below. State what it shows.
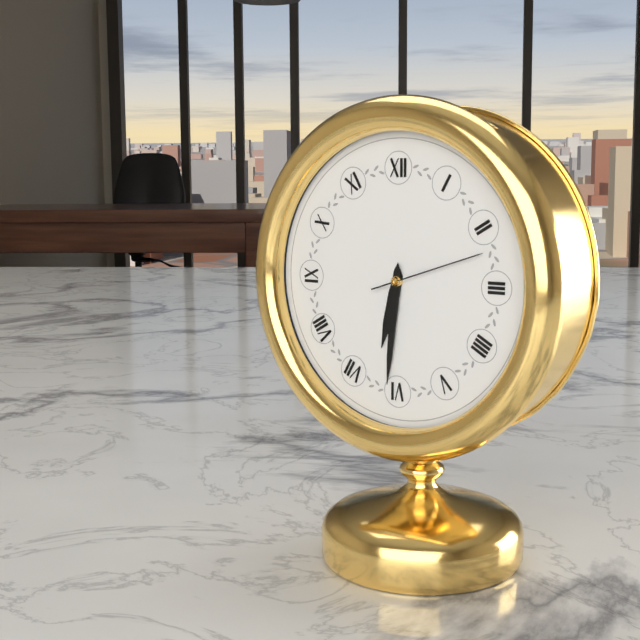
6:31:12
